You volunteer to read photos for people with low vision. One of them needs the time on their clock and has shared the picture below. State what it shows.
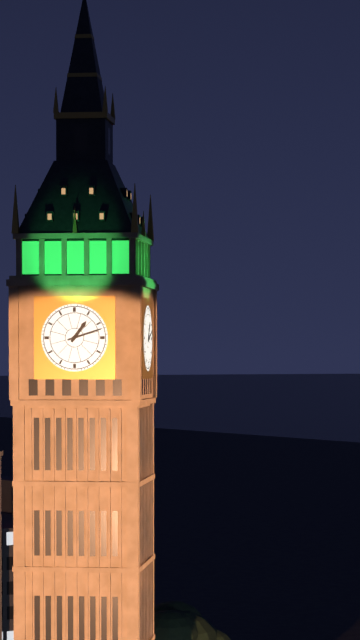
1:12
